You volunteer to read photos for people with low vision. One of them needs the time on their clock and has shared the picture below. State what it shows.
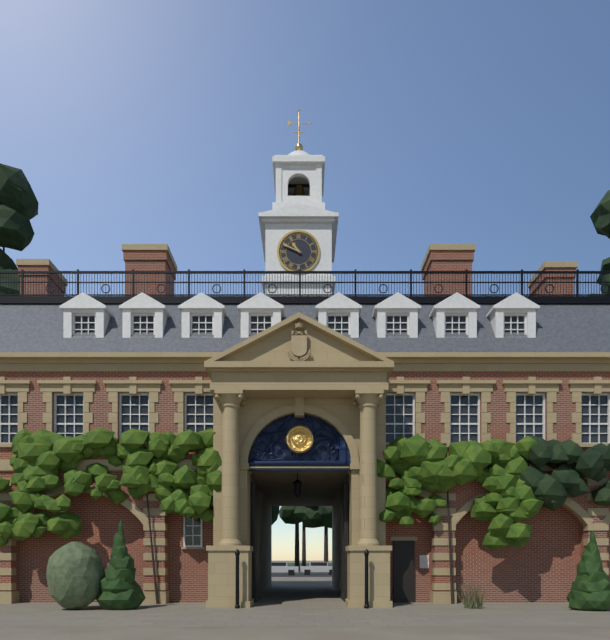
10:49
